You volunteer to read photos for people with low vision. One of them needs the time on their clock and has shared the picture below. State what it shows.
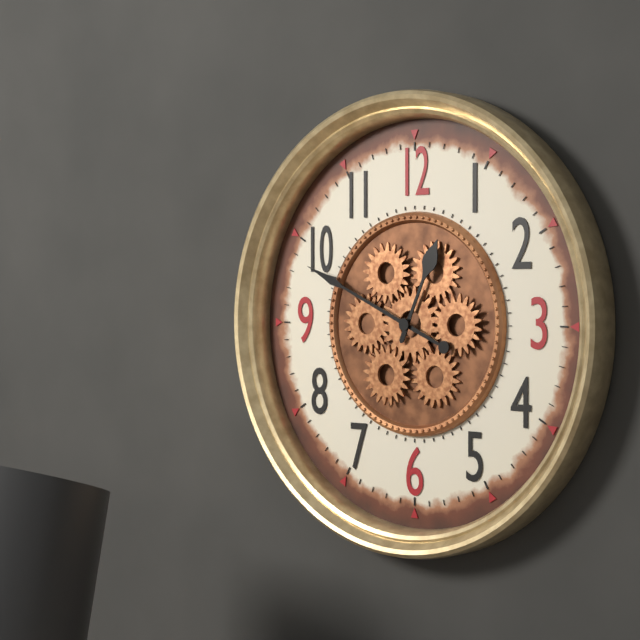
12:49
